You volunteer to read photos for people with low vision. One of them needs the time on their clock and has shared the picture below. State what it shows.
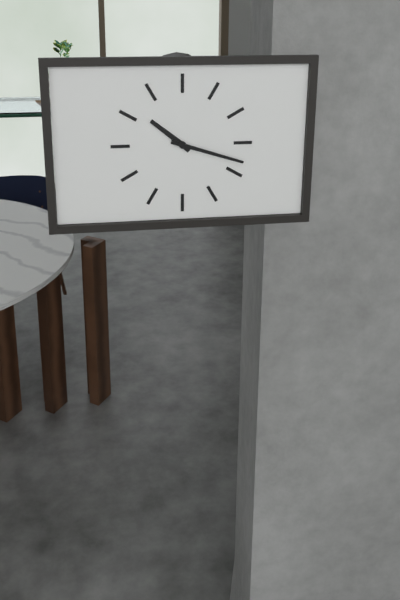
10:18
